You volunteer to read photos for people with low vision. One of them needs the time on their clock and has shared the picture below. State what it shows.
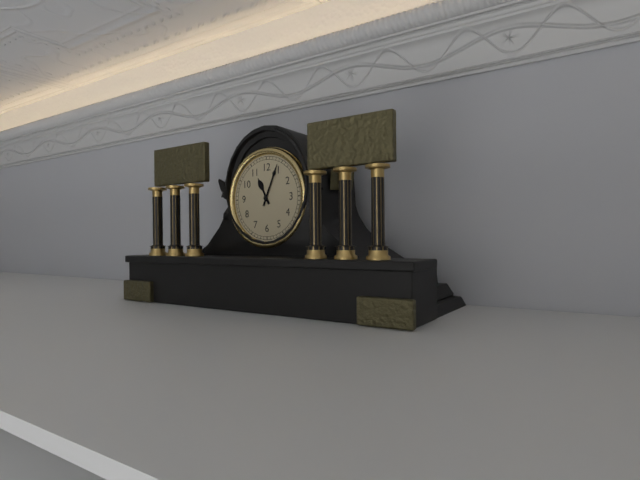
11:04
